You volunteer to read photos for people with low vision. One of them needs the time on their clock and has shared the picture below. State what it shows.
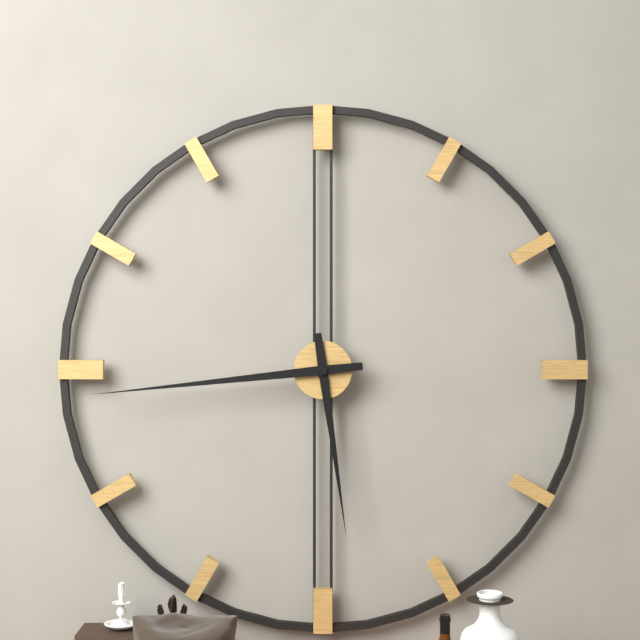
5:44
